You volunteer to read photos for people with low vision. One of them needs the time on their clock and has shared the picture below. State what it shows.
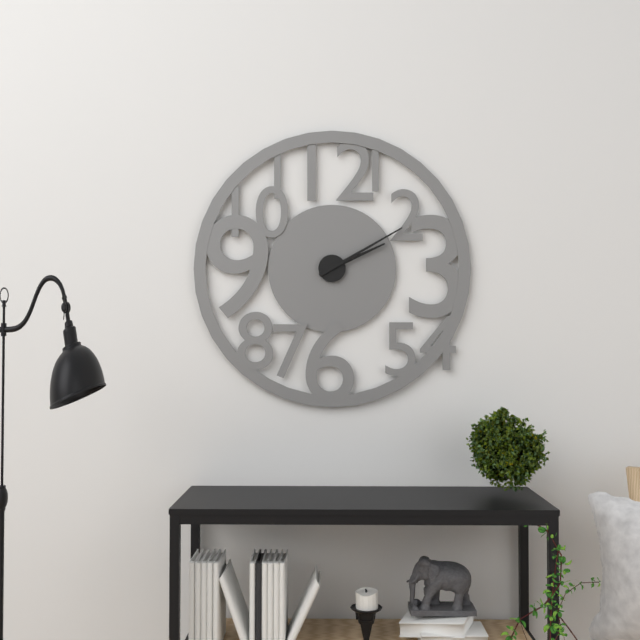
2:10
